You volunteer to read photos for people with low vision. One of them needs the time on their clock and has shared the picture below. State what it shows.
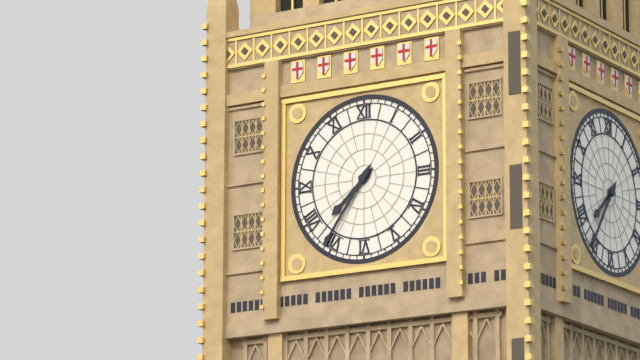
7:36
